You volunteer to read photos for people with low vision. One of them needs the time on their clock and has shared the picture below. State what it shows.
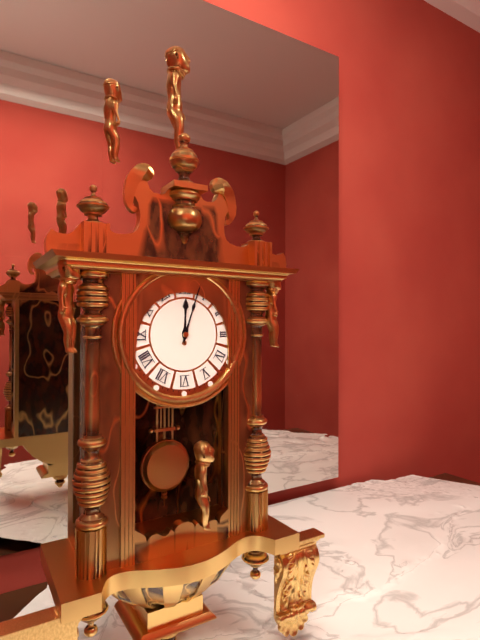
12:03
